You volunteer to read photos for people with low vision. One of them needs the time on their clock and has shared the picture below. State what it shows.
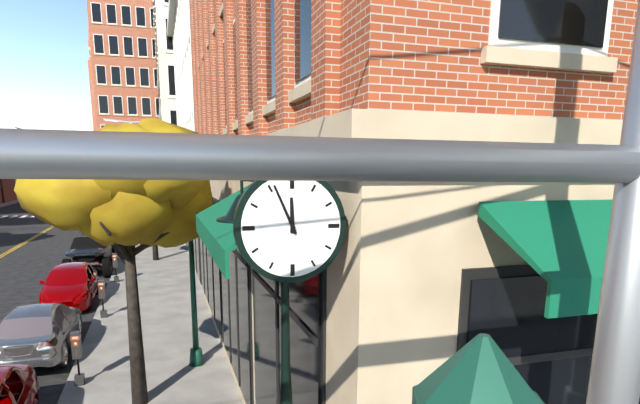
11:56
